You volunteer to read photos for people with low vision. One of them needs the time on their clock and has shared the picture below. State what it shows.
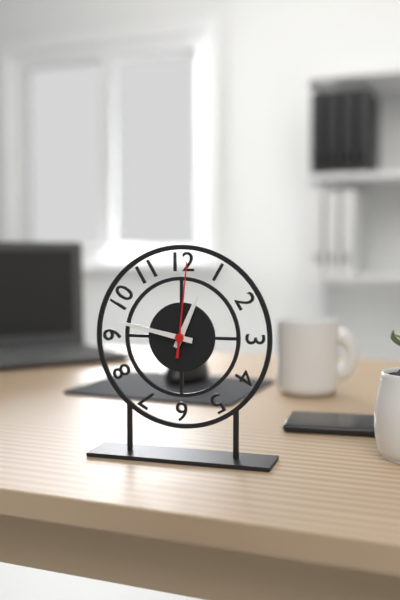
12:47:01
